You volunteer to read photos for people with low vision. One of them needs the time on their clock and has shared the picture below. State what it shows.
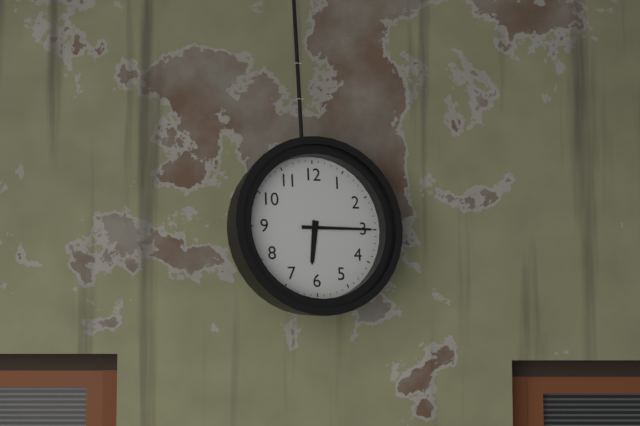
6:15
